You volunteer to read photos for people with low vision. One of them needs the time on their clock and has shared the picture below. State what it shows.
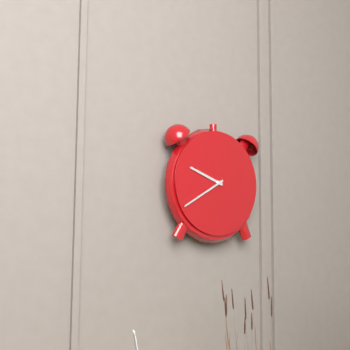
9:40
